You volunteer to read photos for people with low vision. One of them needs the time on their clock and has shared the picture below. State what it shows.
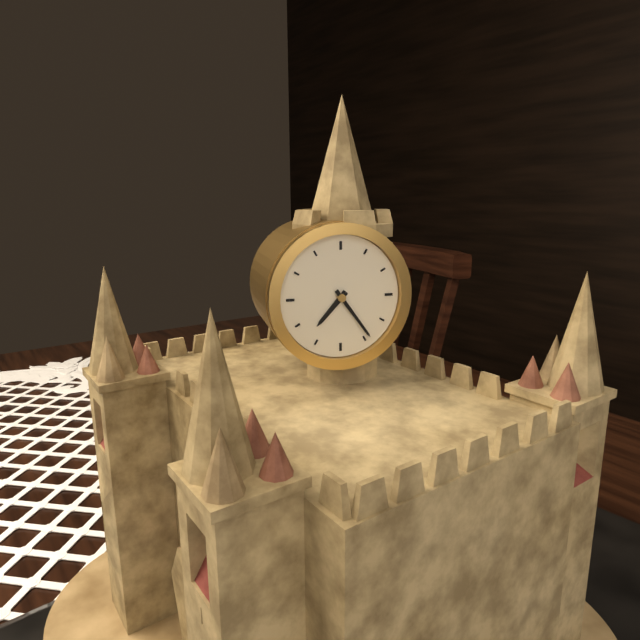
7:24
